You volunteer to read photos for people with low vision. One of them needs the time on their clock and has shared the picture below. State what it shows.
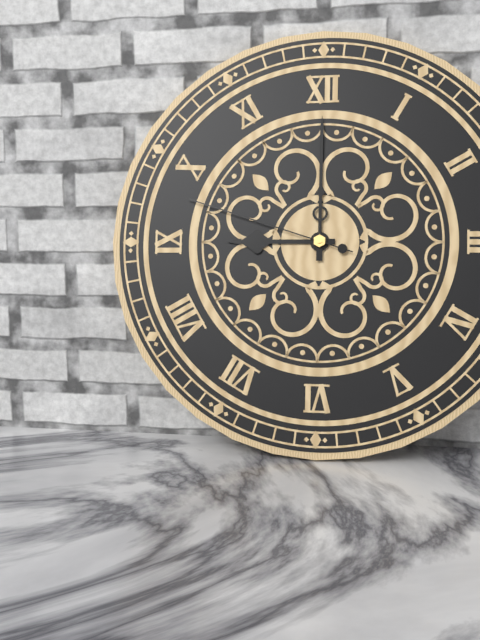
9:00:48
